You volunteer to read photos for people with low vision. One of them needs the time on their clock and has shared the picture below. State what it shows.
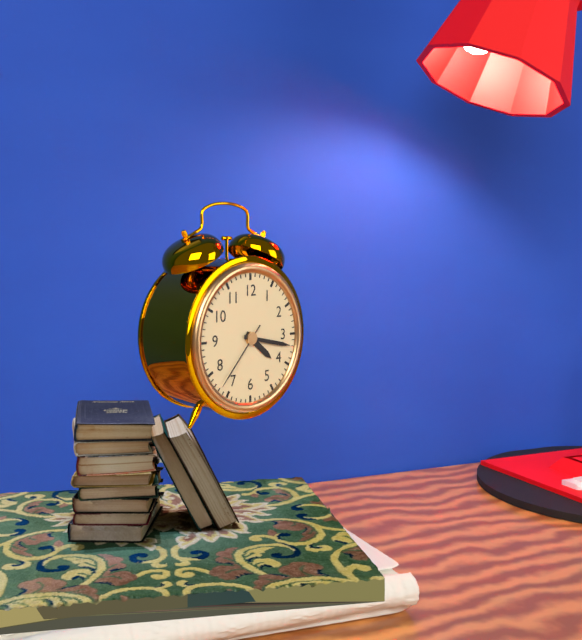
4:17:37
